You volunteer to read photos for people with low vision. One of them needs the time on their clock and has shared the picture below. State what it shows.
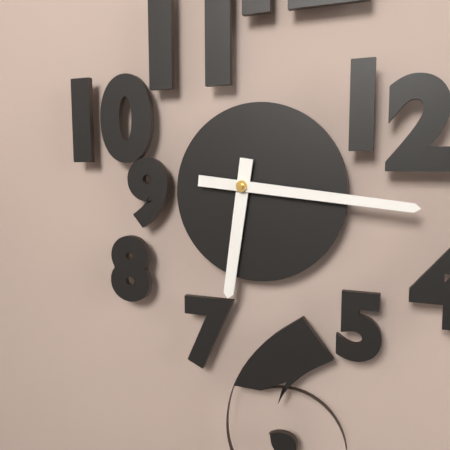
6:16
